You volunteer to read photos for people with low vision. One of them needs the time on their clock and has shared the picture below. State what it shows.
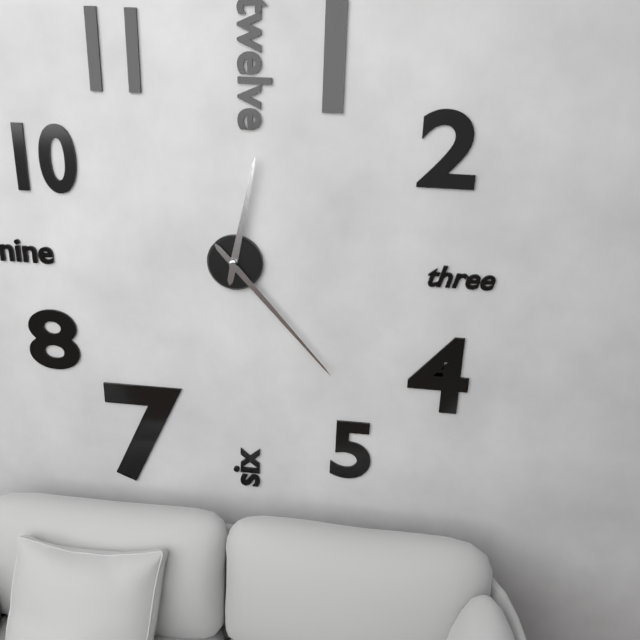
12:23
